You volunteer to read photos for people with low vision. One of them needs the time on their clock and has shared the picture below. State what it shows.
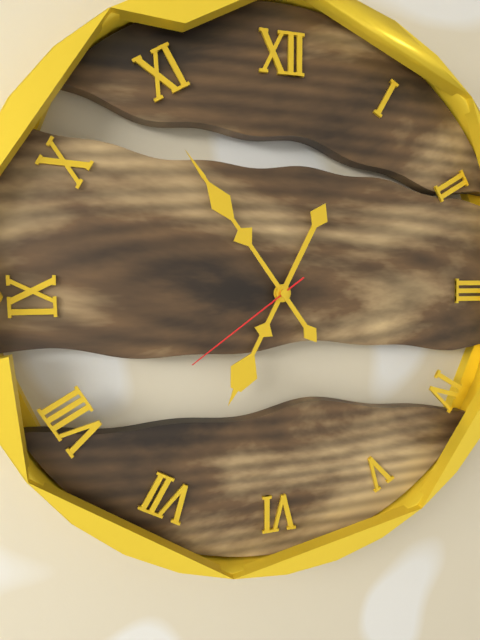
6:54:39
